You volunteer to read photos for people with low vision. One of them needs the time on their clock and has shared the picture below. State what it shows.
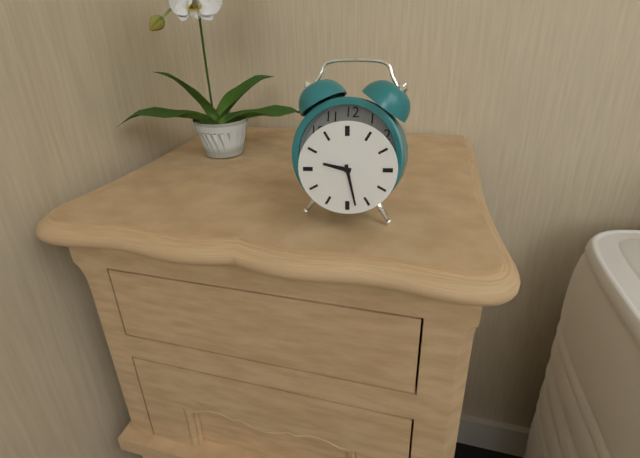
9:28
